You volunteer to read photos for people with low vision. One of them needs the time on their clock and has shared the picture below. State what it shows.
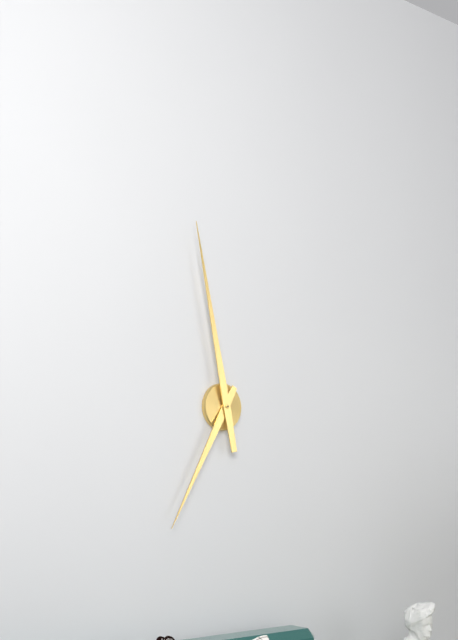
6:58
